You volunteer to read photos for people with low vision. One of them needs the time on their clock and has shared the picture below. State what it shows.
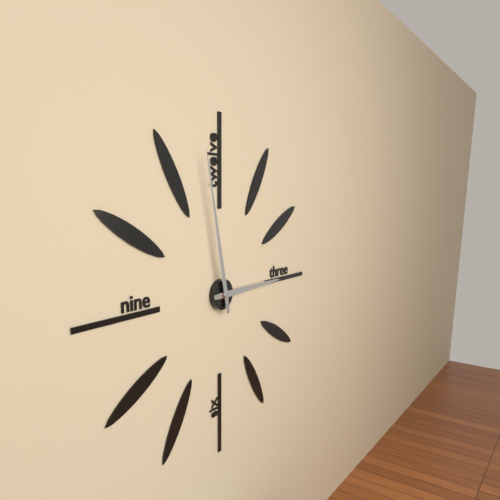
2:58
